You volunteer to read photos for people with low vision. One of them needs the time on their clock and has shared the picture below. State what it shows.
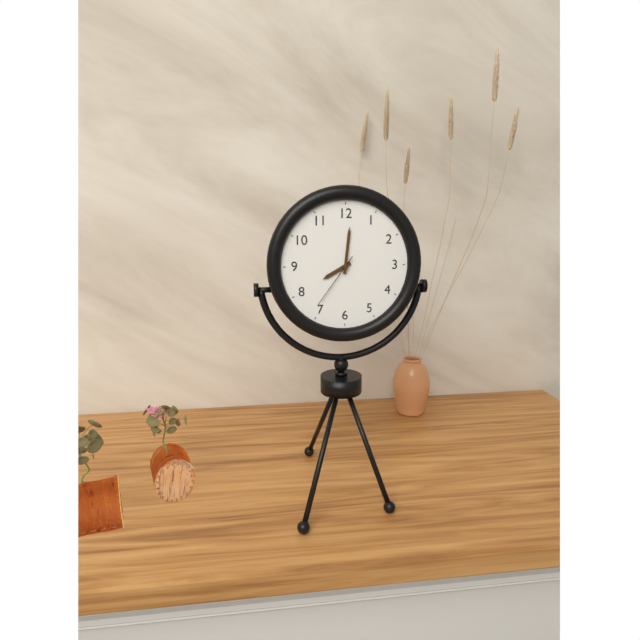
8:01:36
